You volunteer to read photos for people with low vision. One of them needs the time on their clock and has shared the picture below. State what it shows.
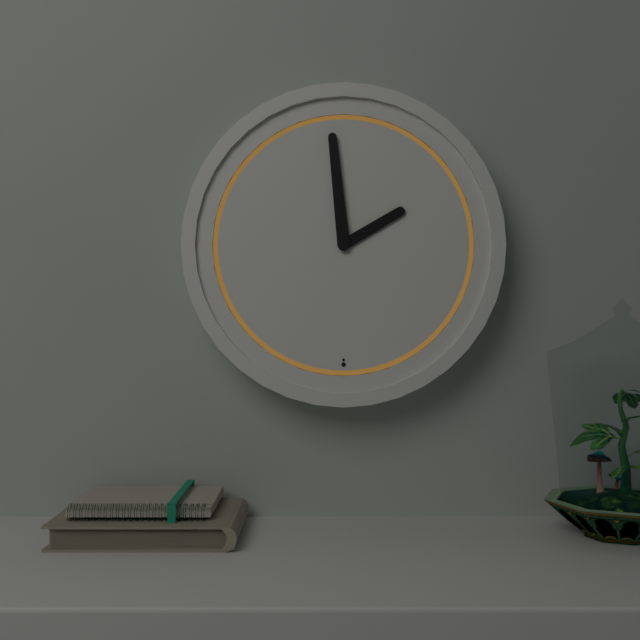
1:59
